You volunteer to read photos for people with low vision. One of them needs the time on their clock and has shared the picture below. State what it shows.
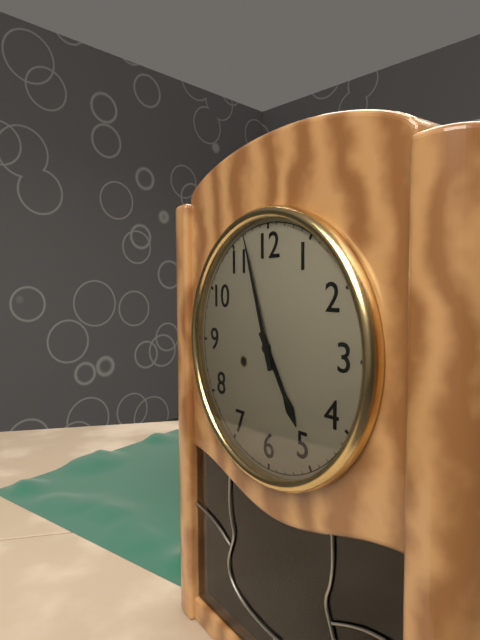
4:57
